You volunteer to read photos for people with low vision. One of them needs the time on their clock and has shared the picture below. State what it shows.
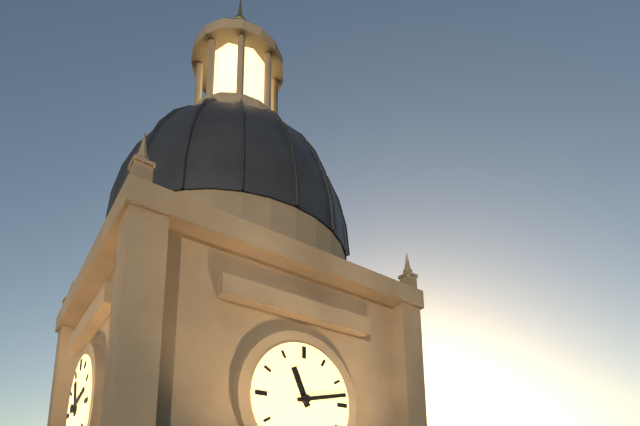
11:13
